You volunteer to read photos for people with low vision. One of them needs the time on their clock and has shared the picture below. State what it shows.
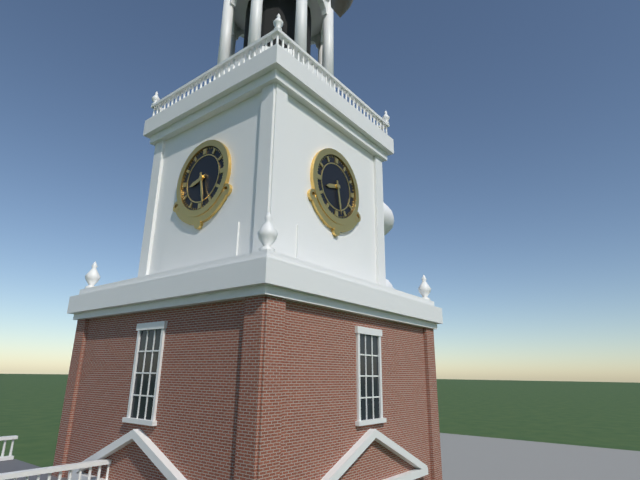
8:28
